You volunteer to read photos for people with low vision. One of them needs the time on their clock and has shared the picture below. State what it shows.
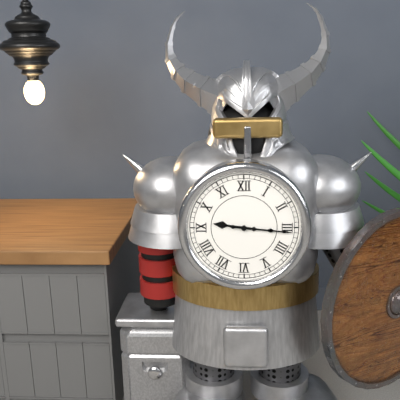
9:16
